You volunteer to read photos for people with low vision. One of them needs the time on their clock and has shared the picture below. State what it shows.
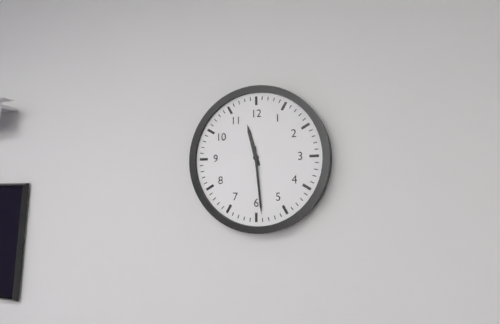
11:29
